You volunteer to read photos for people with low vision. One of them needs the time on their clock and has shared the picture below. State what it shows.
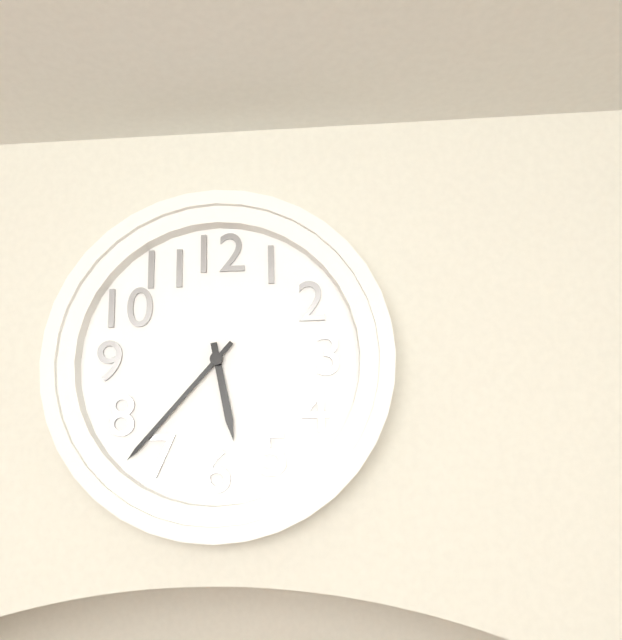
5:37
